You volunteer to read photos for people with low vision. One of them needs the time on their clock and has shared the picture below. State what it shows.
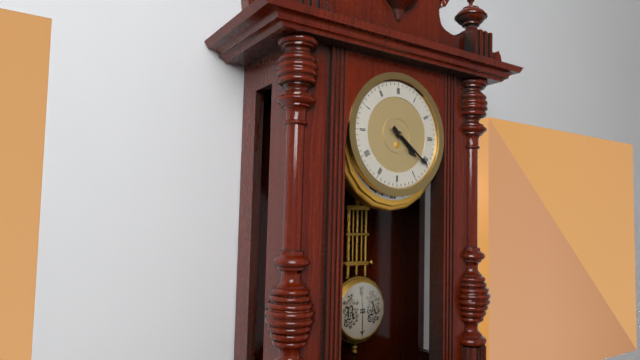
4:21
